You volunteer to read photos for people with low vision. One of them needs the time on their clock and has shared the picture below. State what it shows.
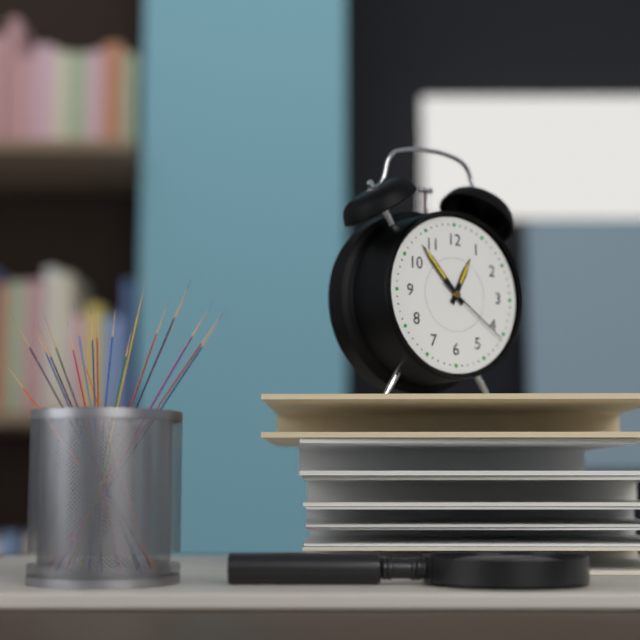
12:53:21
